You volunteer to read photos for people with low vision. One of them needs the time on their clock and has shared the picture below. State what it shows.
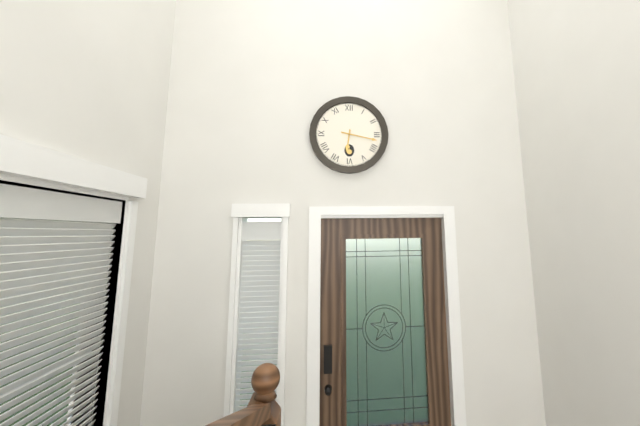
6:17
